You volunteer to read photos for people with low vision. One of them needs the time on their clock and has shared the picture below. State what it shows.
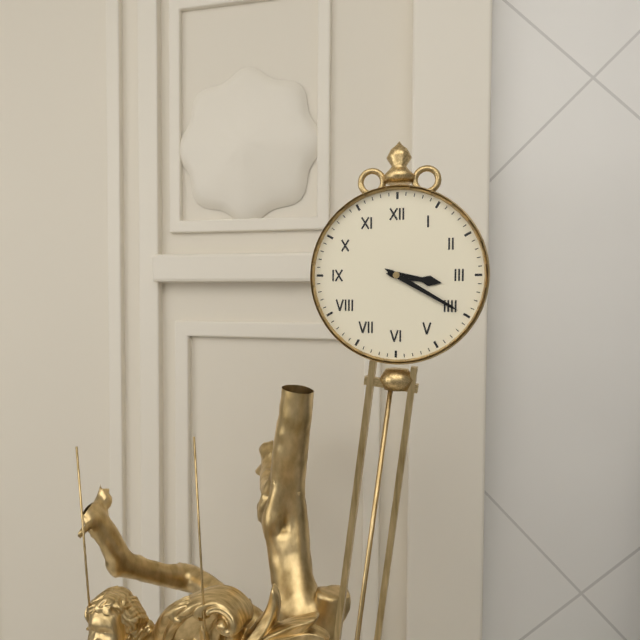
3:20
